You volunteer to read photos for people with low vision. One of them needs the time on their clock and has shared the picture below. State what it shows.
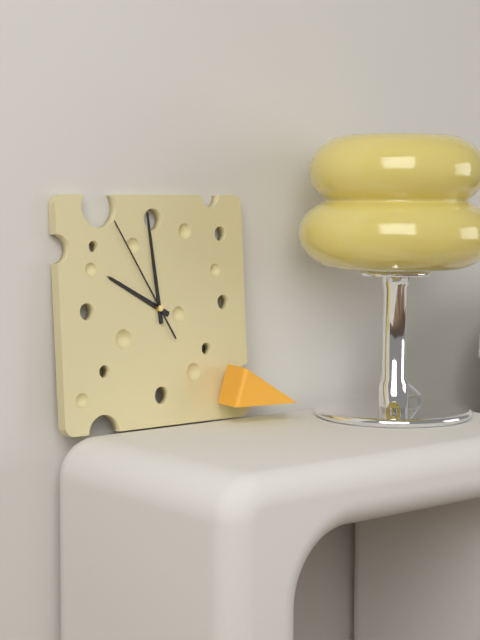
9:59:55
